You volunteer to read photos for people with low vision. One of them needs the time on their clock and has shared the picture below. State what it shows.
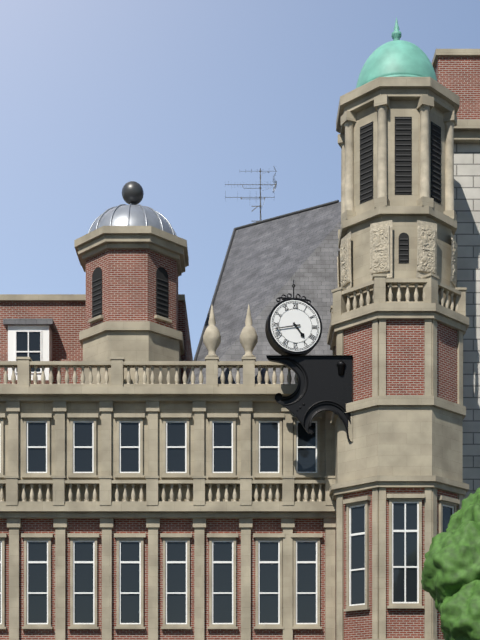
4:43
